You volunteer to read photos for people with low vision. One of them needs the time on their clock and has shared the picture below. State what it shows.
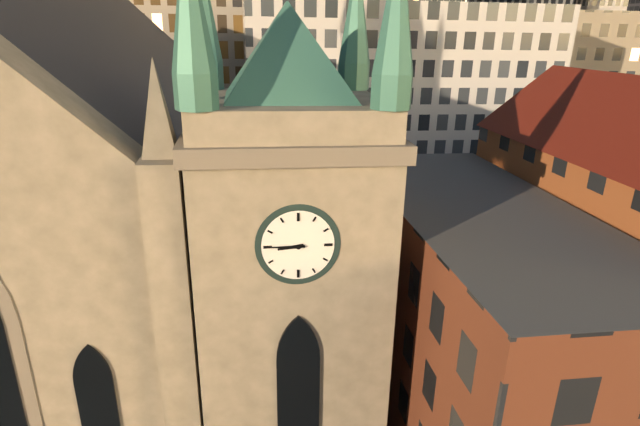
8:45
